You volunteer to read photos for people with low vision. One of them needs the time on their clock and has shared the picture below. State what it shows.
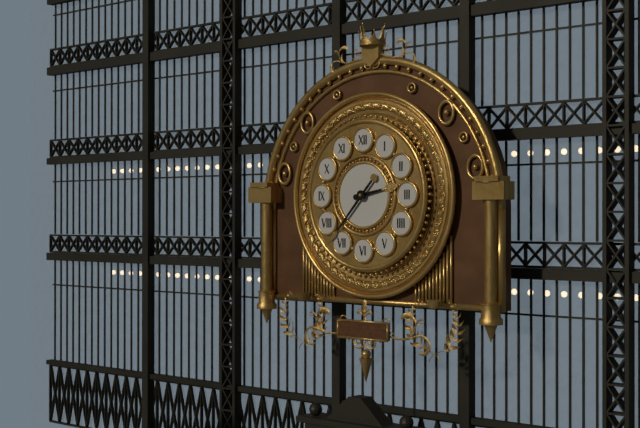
2:37
